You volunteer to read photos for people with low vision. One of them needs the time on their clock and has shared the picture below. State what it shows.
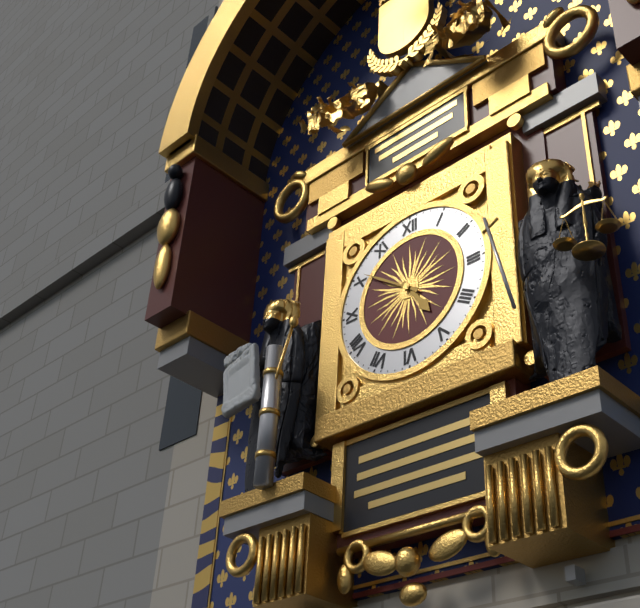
4:51
